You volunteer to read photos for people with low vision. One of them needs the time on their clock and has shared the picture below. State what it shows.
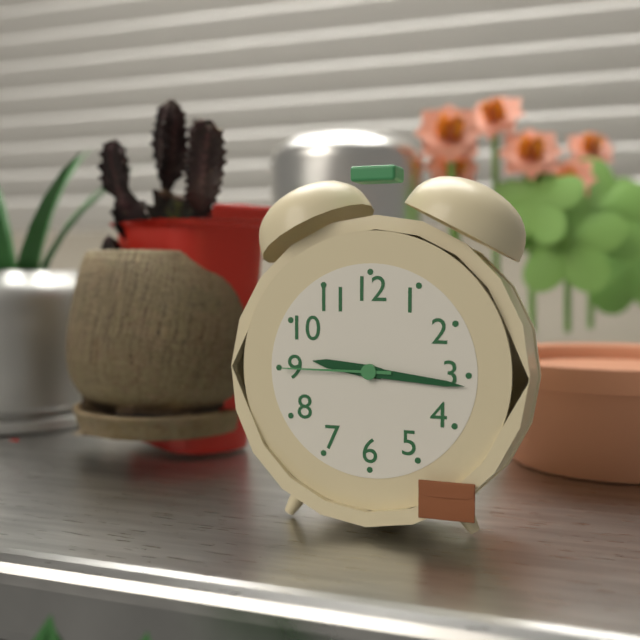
9:16:45
